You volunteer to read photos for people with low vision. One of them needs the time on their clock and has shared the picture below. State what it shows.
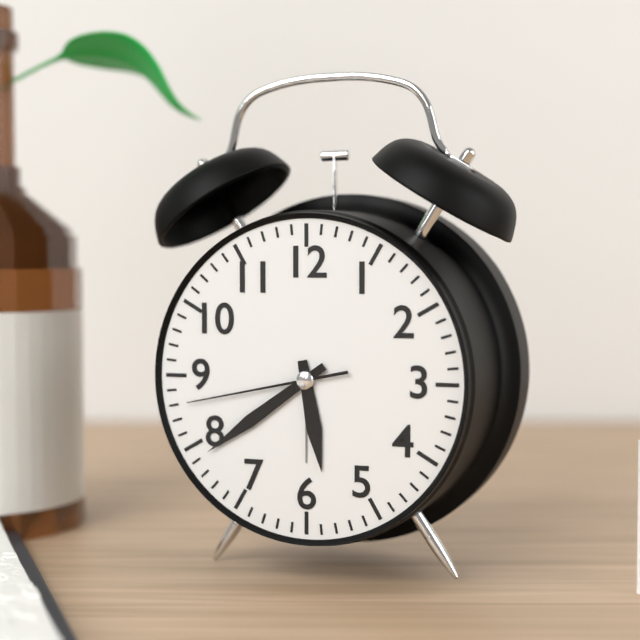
5:39:43
